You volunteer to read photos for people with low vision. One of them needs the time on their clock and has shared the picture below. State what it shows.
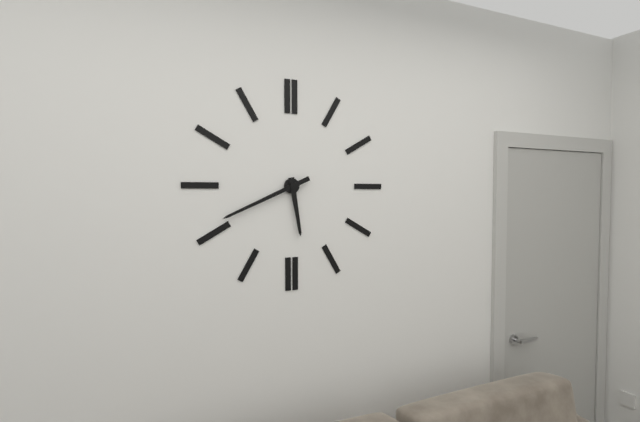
5:41
